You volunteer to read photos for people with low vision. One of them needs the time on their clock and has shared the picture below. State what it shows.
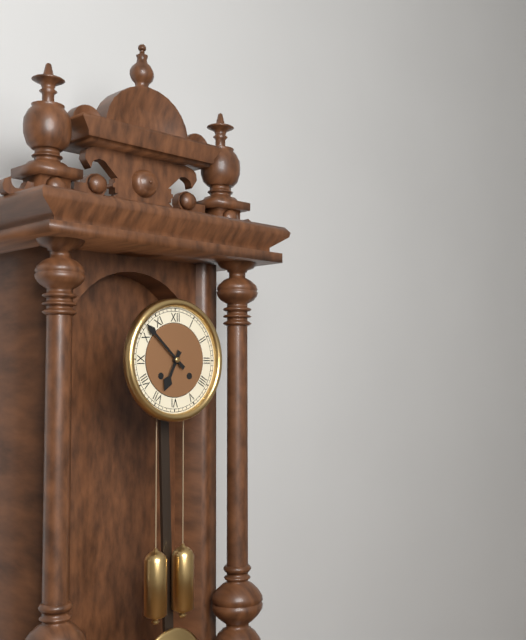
6:52
